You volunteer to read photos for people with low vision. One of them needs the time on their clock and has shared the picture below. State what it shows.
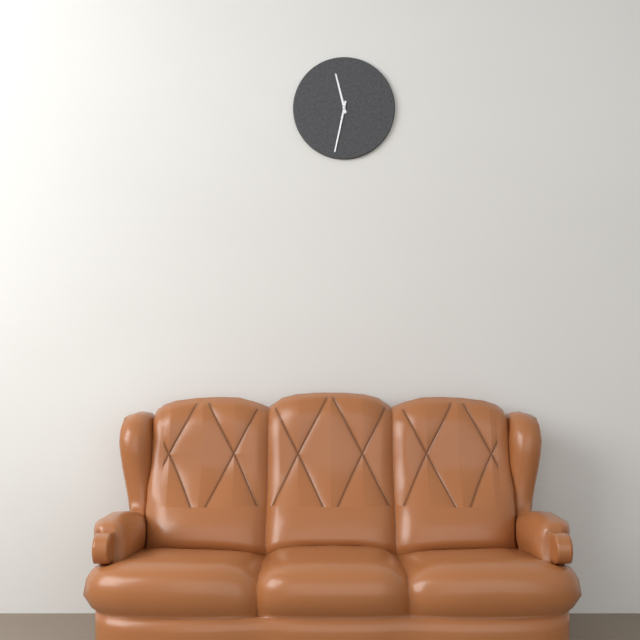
11:32
